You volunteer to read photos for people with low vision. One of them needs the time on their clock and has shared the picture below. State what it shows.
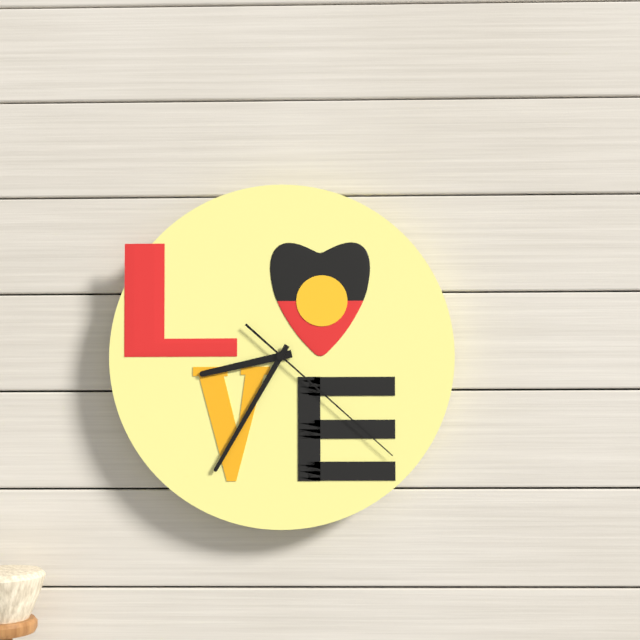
8:35:22
